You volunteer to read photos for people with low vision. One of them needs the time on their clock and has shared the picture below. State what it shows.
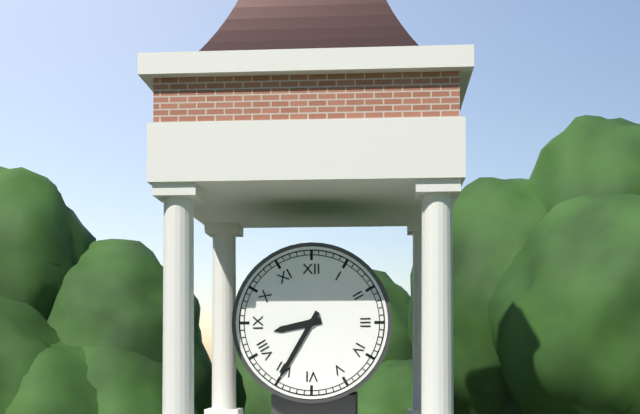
8:35
